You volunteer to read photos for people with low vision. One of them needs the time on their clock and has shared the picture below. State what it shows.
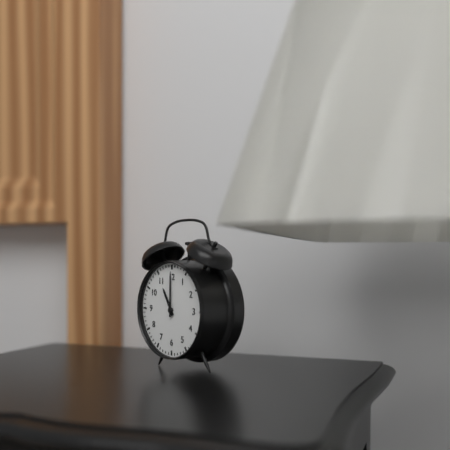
11:00
